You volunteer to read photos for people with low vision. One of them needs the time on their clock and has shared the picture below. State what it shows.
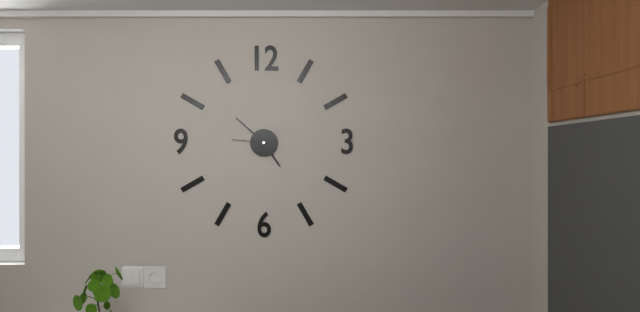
4:52
